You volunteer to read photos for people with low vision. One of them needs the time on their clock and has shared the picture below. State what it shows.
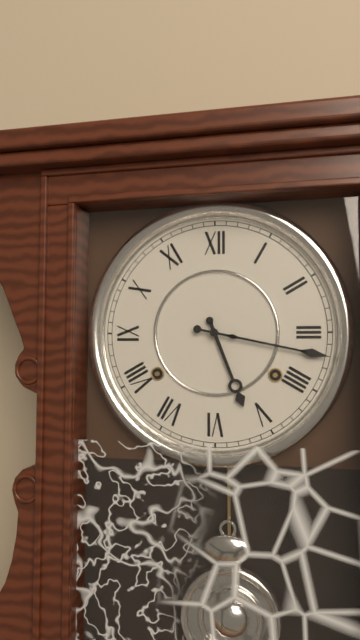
5:17
